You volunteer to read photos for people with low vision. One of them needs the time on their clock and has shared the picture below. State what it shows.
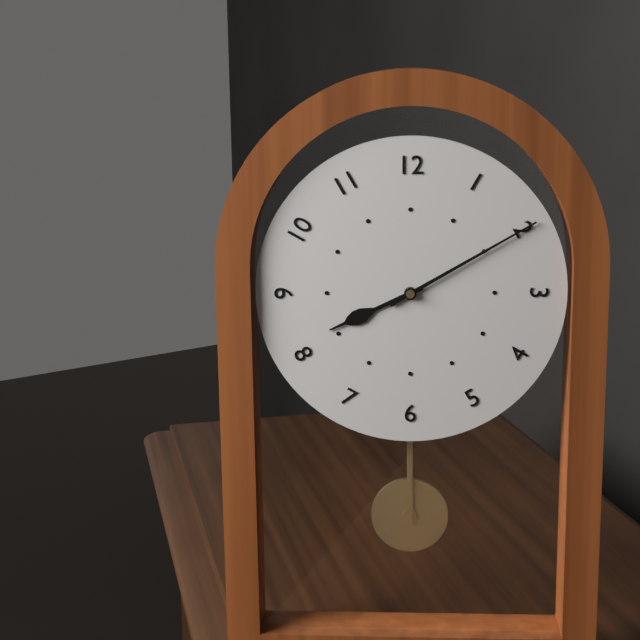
8:10
